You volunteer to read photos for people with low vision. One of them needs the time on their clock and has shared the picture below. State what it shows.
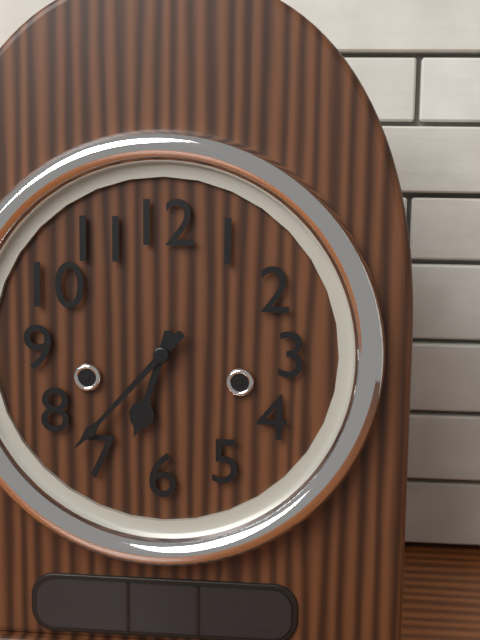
6:37
